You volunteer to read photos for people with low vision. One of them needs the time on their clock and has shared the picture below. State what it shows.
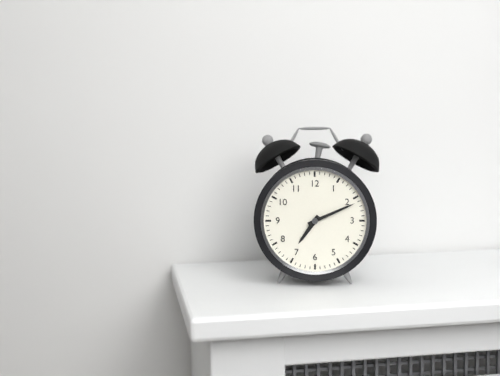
7:11
